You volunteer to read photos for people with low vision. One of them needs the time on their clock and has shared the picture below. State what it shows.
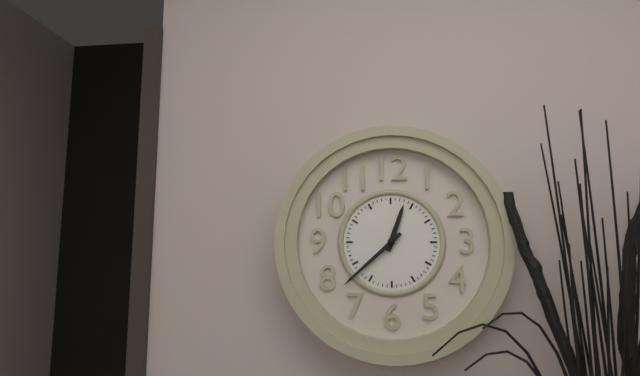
12:38
